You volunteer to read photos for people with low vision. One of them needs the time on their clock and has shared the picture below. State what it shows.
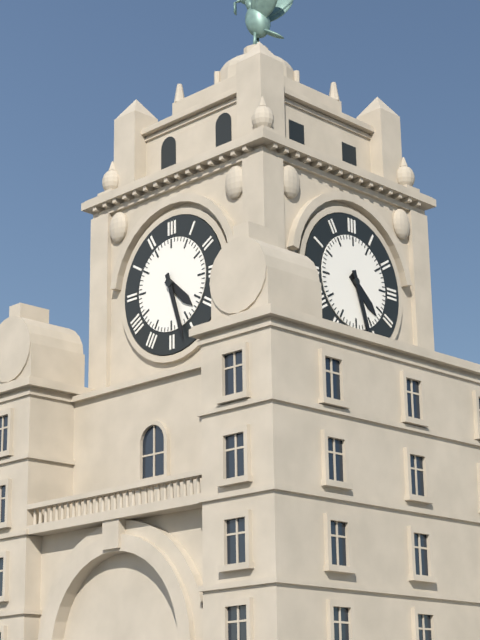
4:27
